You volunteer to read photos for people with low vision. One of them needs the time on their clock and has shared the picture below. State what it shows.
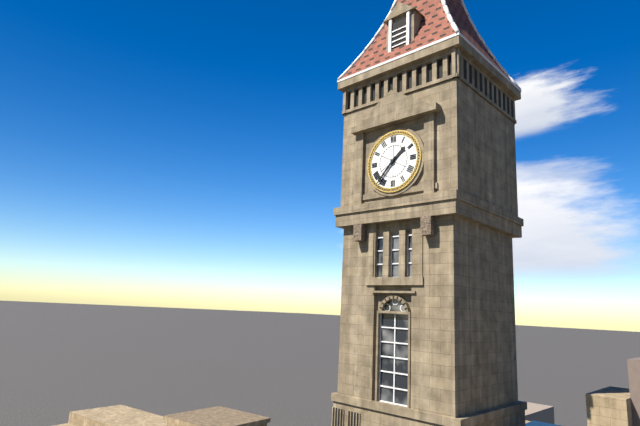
1:37
